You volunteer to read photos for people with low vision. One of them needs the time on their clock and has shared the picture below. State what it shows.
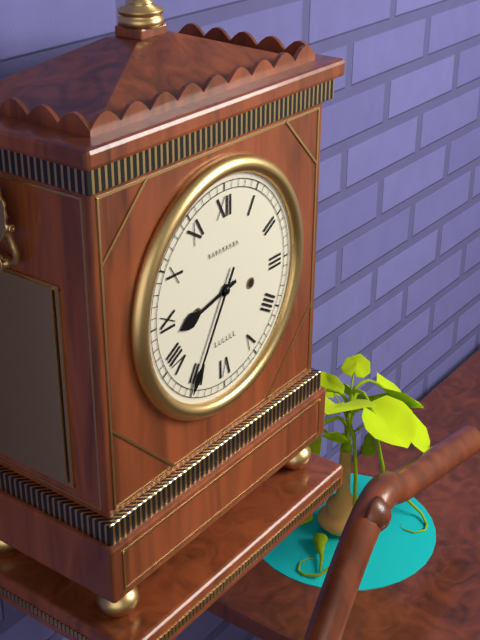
8:35
